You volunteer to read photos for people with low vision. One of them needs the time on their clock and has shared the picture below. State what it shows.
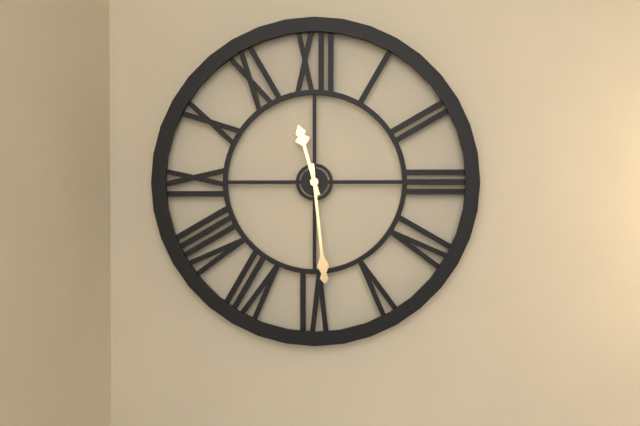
11:29
